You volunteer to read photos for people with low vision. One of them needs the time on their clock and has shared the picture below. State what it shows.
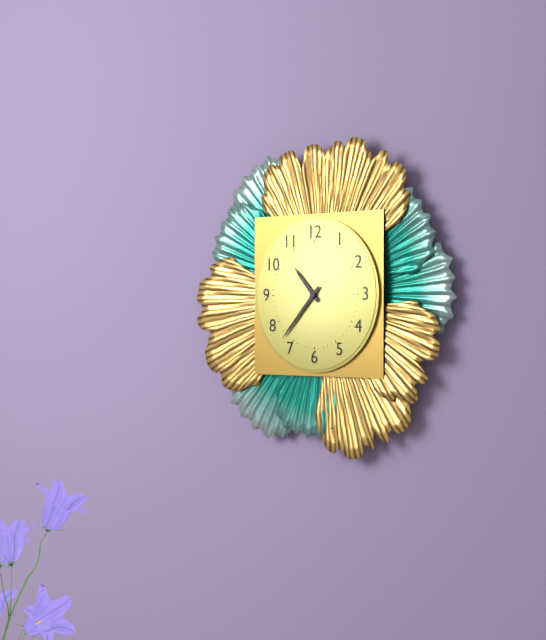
10:37
